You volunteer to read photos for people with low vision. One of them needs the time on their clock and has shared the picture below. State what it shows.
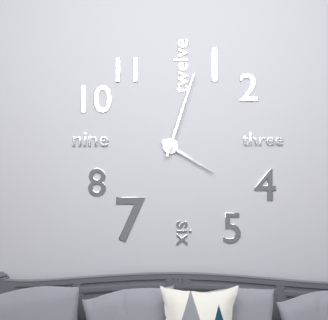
4:03
